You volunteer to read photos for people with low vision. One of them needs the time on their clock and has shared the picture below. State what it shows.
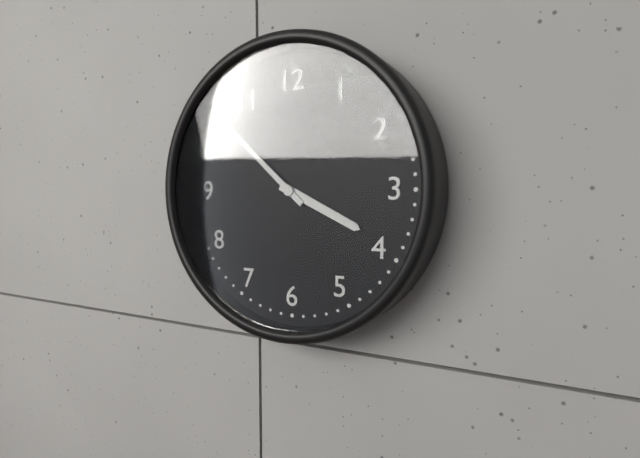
3:52
